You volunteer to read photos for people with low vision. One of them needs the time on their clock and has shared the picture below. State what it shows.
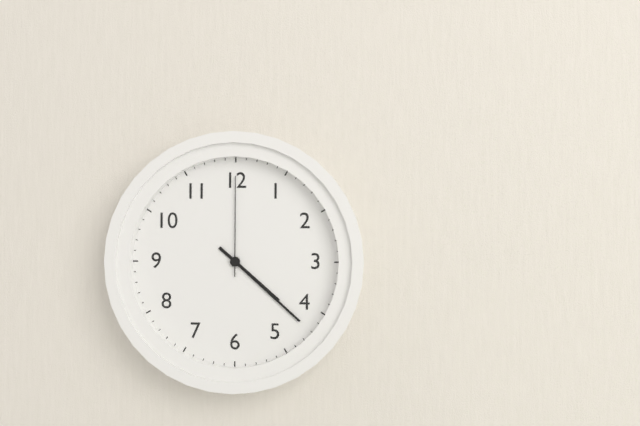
4:22:00
